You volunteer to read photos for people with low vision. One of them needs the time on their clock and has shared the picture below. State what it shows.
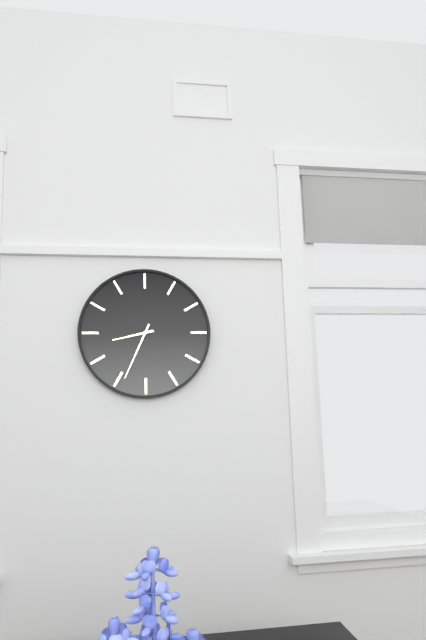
8:34
